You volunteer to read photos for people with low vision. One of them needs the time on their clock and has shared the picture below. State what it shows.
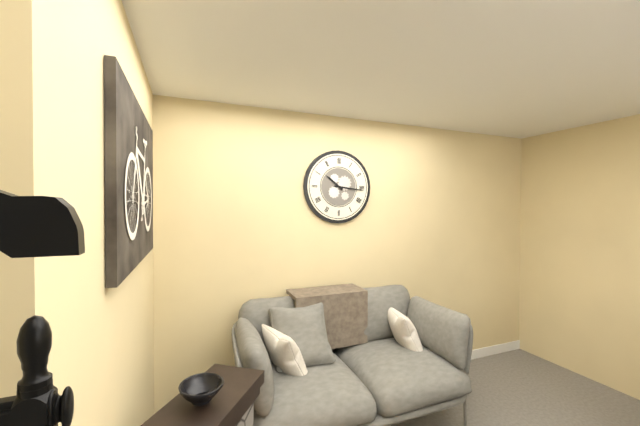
10:16
